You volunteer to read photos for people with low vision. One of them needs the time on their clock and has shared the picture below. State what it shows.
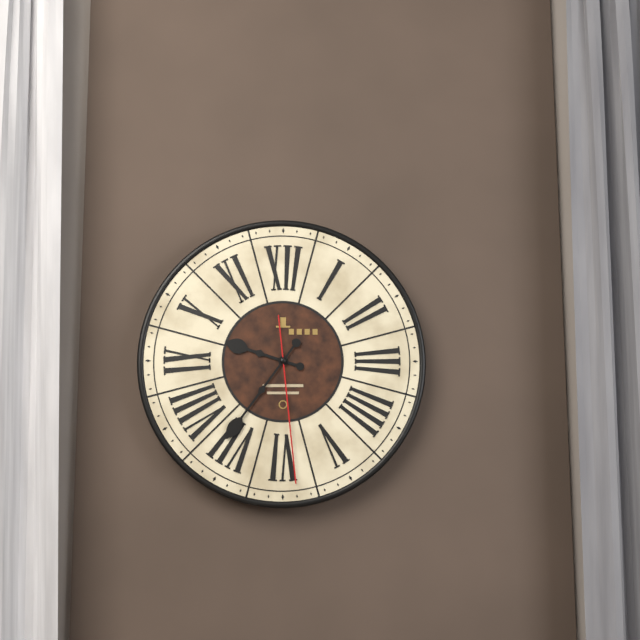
9:36:29
